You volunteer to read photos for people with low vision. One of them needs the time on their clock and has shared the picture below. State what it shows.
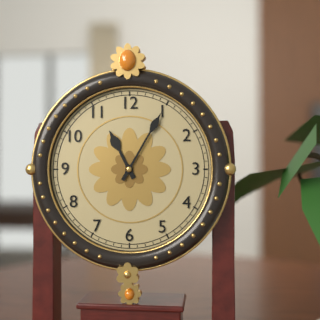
11:05
